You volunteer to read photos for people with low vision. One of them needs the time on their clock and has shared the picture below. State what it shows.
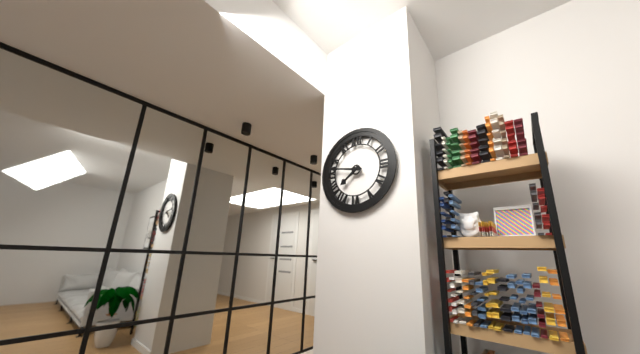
7:47
